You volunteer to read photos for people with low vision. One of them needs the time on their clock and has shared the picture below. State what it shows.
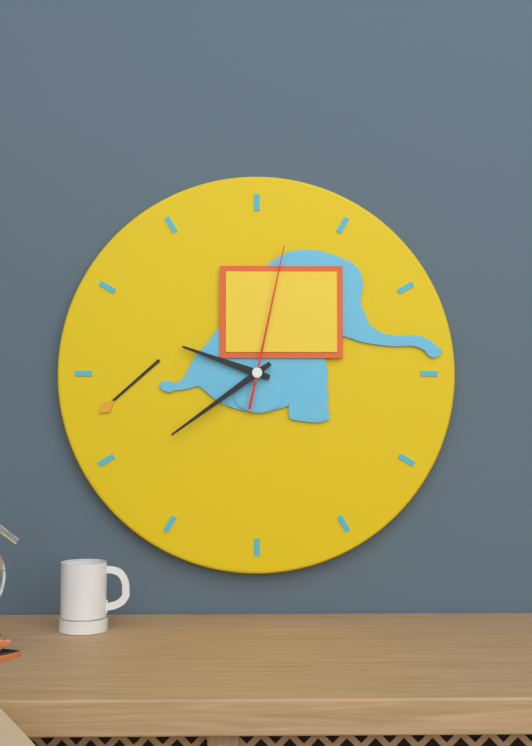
9:39:02
